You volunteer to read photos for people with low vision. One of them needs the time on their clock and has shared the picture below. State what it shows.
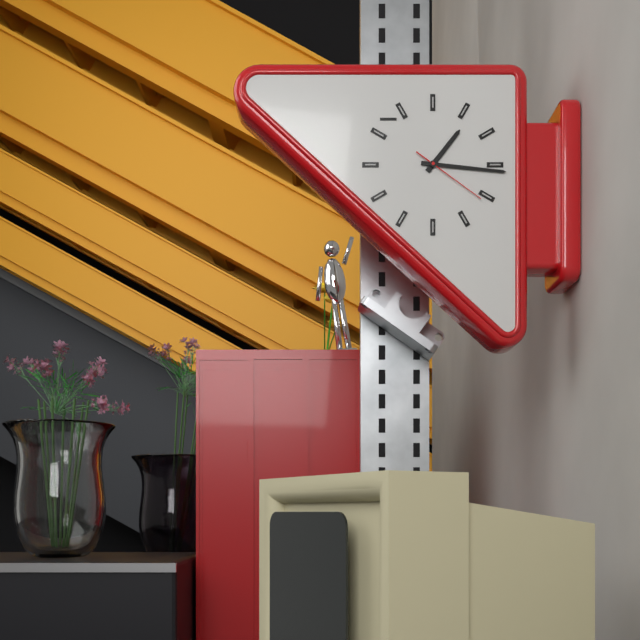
1:16:21
